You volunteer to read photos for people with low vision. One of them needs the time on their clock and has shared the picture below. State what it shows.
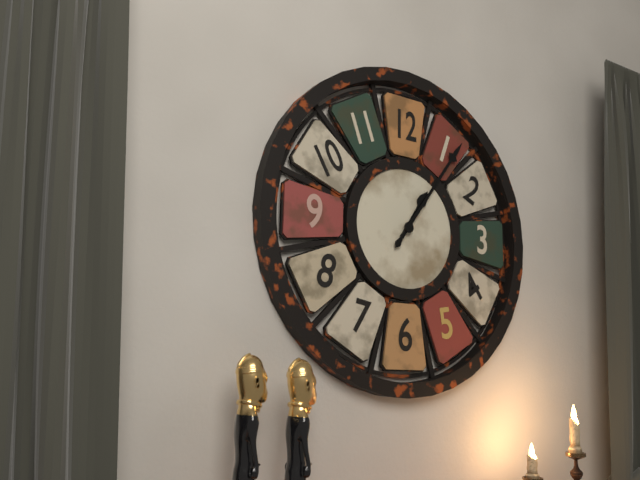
1:06
